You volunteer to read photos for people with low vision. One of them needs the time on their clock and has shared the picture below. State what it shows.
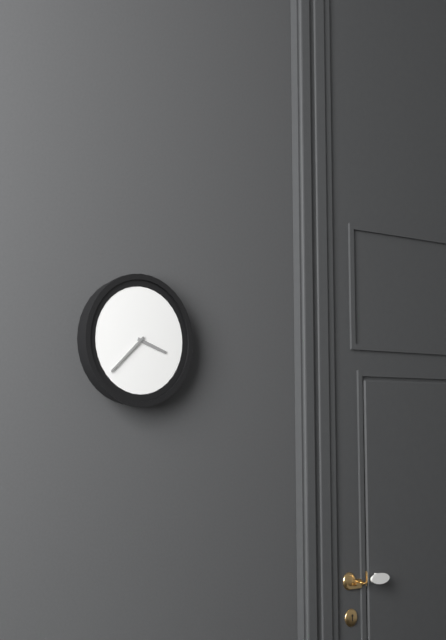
3:38
